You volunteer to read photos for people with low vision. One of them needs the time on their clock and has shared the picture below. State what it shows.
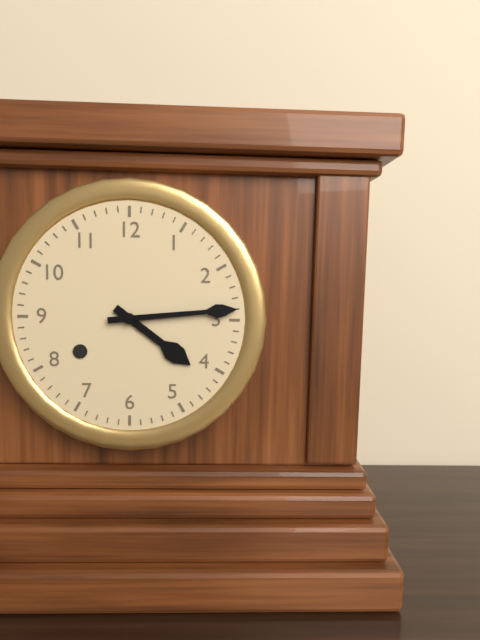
4:14
